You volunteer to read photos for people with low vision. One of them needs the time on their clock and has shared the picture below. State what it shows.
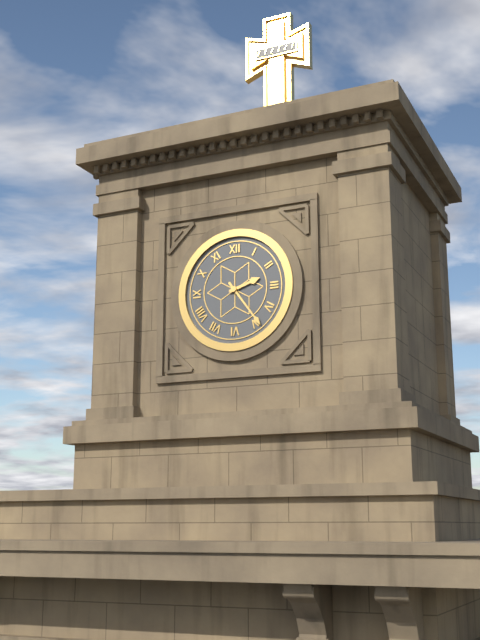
2:24
